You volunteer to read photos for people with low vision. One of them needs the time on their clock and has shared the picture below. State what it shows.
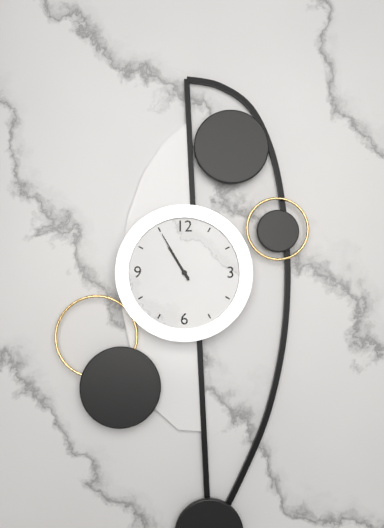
10:55
